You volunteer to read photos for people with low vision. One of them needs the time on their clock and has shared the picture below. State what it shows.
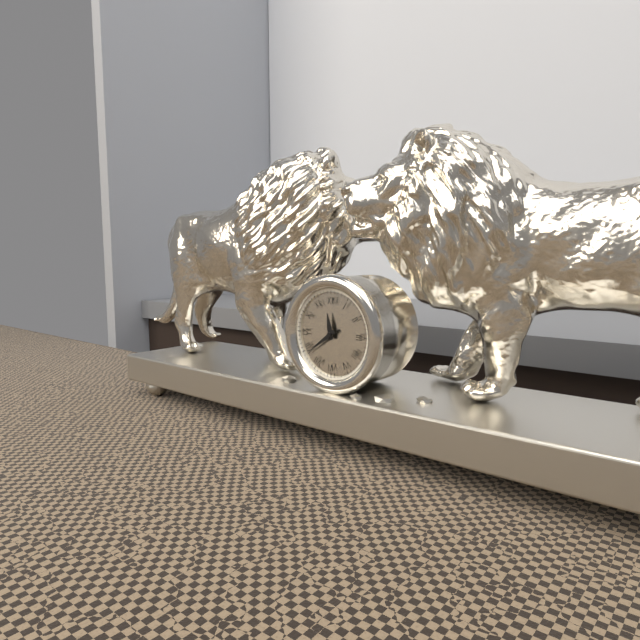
11:39
